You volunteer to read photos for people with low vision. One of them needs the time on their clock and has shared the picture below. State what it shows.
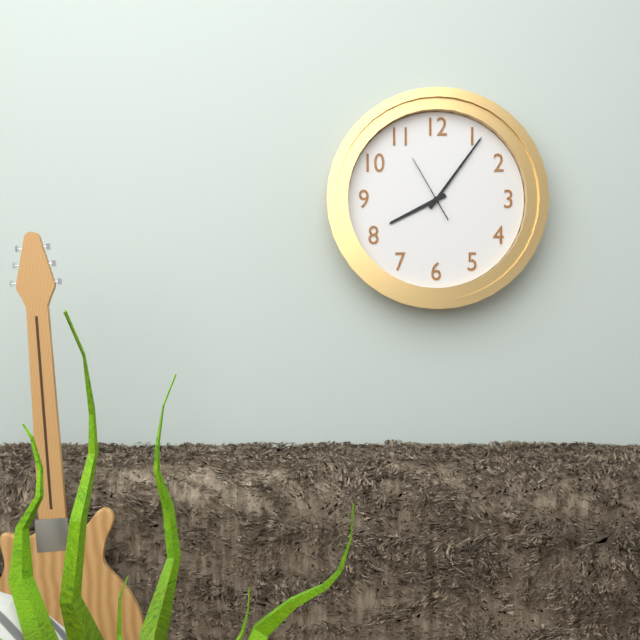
8:06:55
